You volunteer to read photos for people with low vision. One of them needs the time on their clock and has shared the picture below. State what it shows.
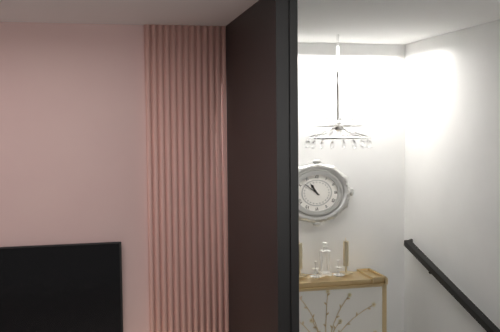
10:51
